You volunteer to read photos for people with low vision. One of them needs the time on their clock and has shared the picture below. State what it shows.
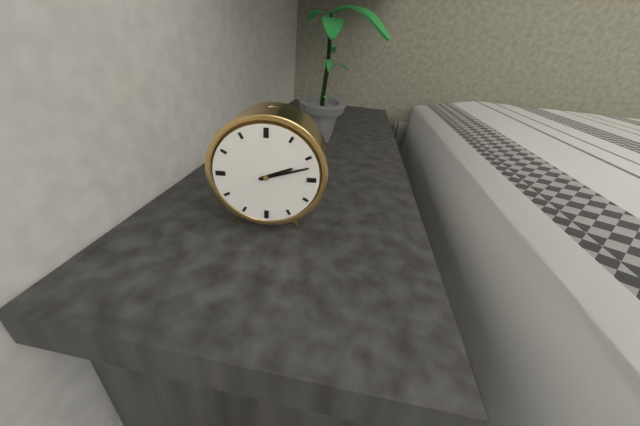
2:12
